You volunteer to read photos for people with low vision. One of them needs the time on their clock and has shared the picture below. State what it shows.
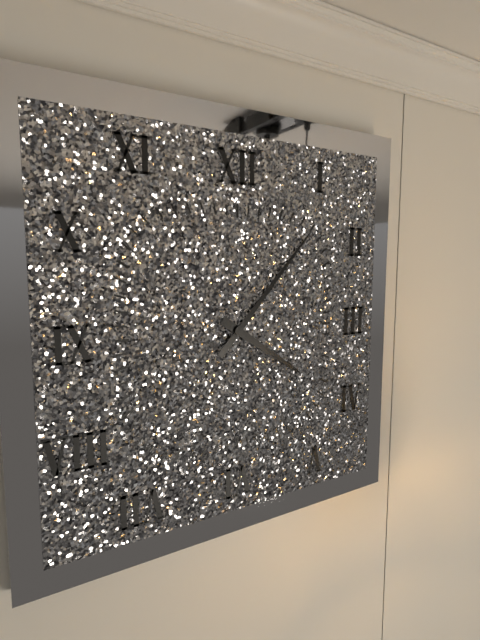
4:07
